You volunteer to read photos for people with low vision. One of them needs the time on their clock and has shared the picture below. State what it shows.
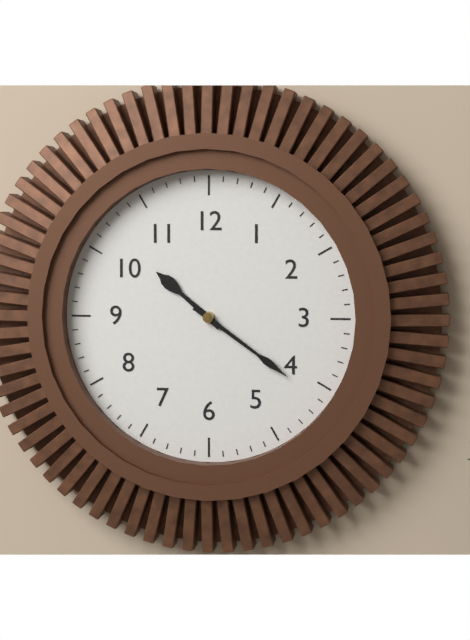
10:21
